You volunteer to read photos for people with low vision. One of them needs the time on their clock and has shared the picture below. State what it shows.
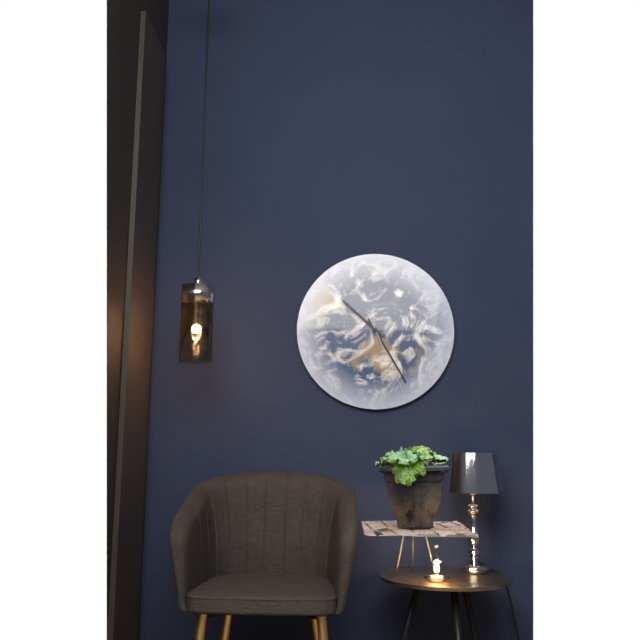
10:25:26
